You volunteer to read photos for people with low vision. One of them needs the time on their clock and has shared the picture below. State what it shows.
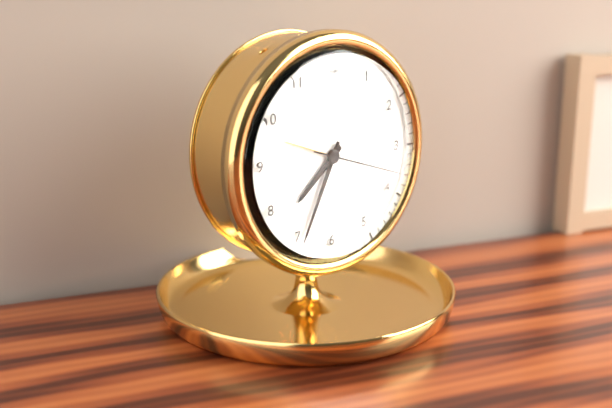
7:34:18
